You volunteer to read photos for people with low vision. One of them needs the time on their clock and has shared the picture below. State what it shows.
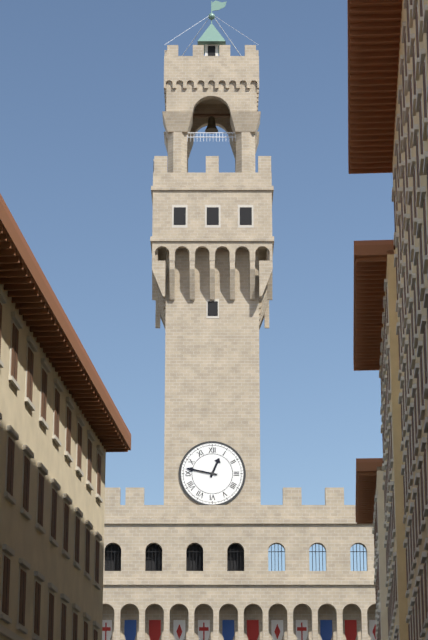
12:47
